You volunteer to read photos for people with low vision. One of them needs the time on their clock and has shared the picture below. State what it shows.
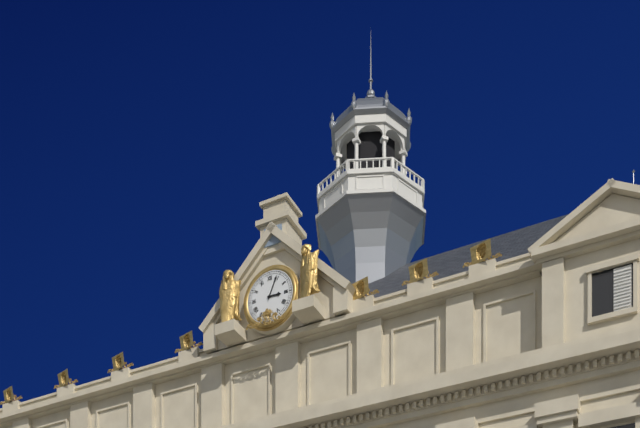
3:04
